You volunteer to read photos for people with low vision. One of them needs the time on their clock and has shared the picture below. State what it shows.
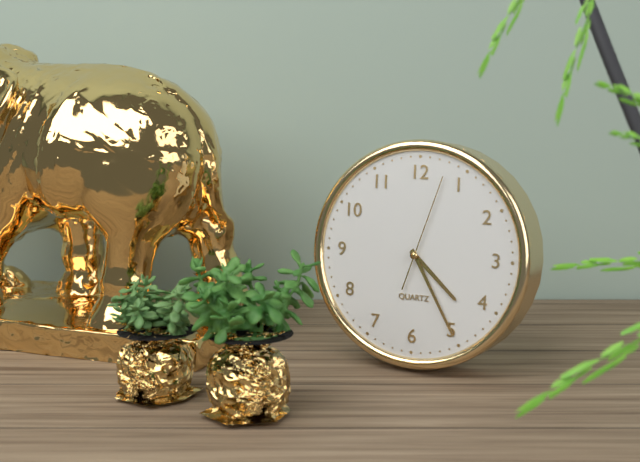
4:25:03
